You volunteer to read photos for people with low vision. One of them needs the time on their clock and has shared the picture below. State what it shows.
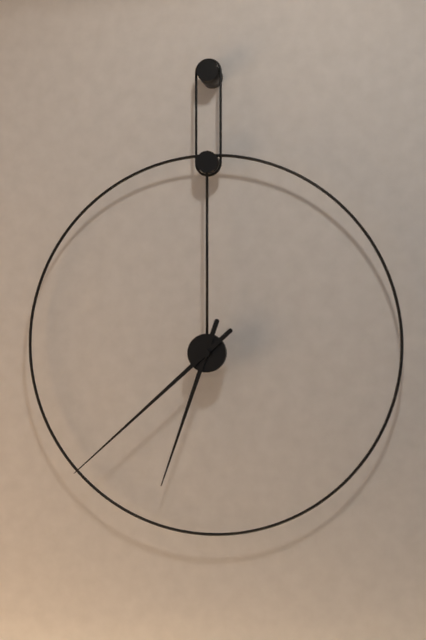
6:38
